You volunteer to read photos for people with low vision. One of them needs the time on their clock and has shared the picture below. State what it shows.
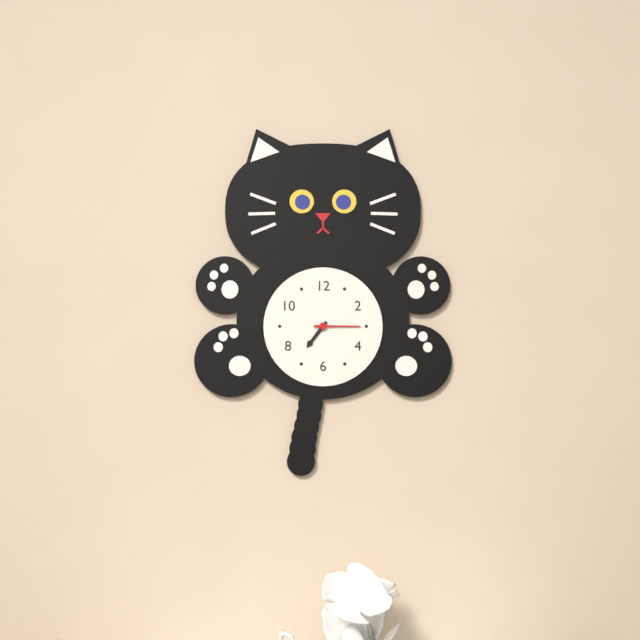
7:15
